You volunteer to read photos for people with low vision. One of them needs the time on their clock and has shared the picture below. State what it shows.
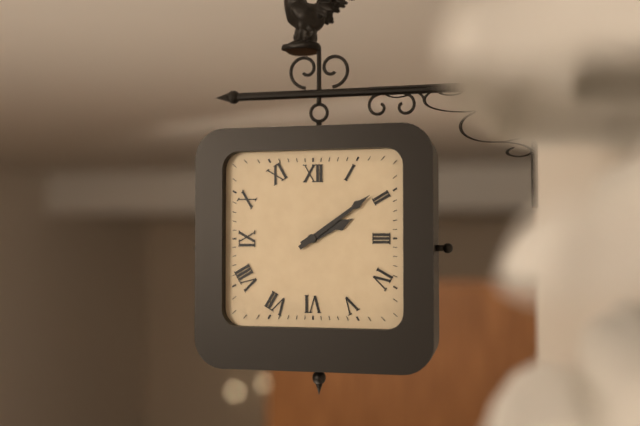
2:09
